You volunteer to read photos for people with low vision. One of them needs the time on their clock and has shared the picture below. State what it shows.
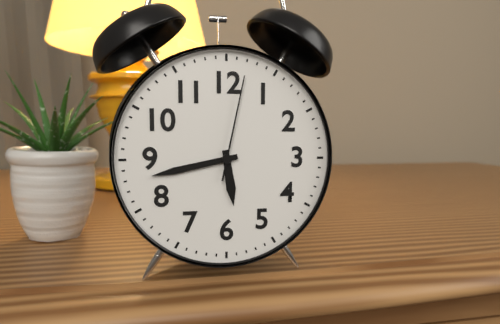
5:43:02
